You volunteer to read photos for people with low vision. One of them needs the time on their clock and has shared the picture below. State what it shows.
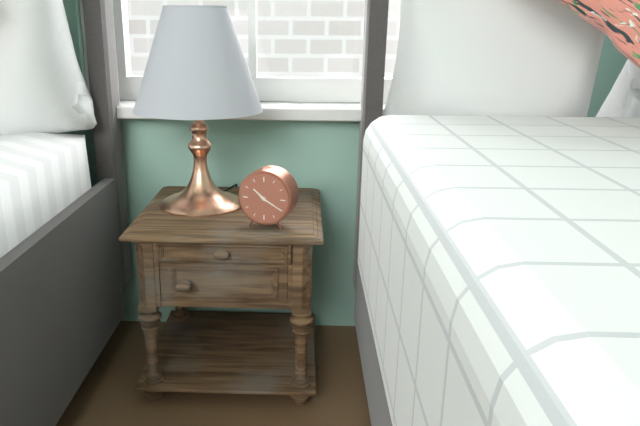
10:20
